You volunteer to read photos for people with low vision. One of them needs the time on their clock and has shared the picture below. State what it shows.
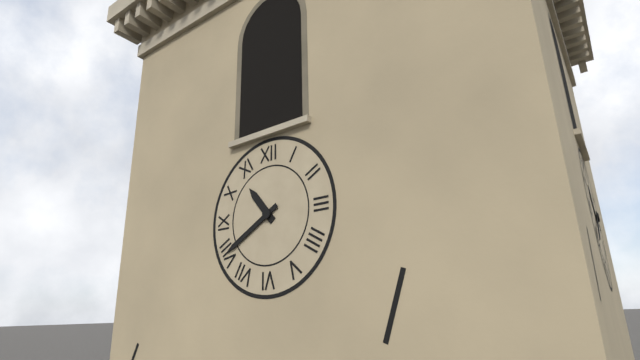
10:40
